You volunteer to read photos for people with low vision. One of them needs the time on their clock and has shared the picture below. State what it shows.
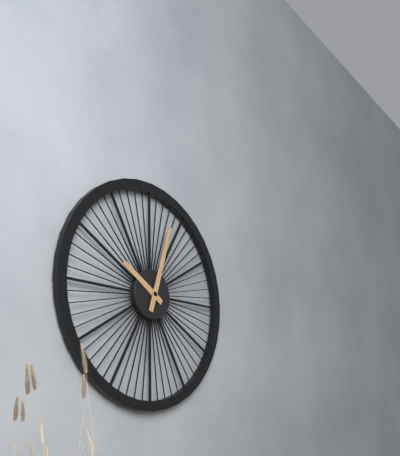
10:03
